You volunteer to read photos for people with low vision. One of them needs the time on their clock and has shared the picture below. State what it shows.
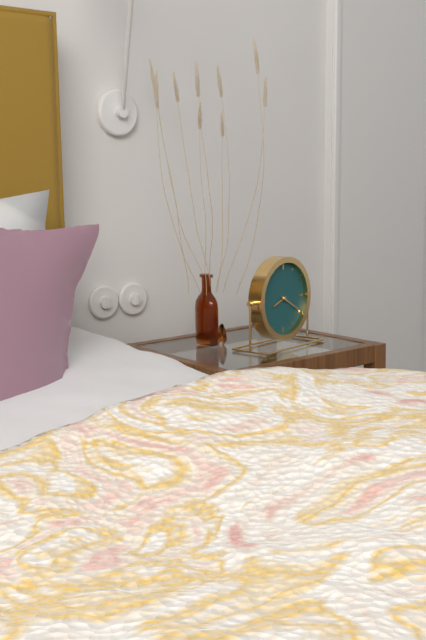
8:20
